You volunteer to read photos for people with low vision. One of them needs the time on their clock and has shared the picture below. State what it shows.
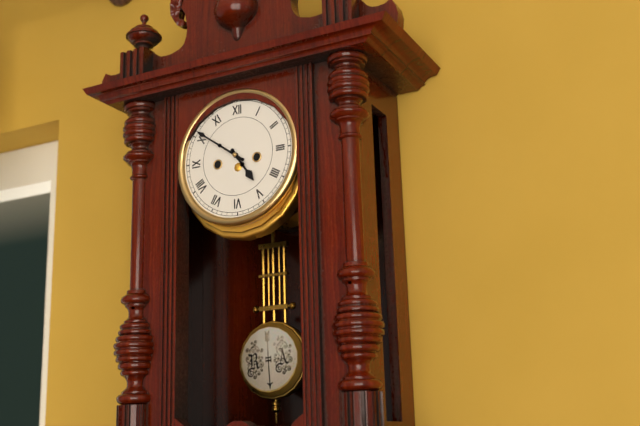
4:51
